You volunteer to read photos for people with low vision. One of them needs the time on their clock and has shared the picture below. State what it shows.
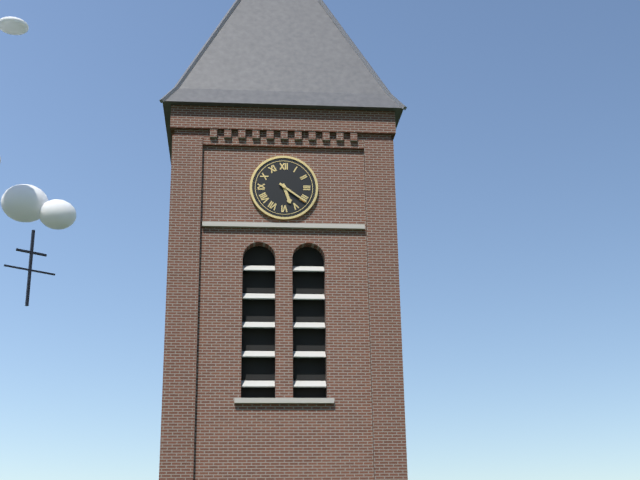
5:21
